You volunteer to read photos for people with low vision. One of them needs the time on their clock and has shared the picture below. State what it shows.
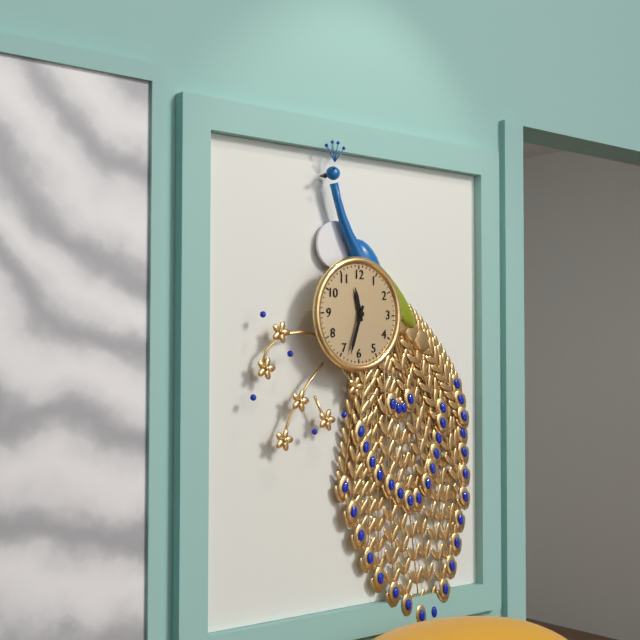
11:33
